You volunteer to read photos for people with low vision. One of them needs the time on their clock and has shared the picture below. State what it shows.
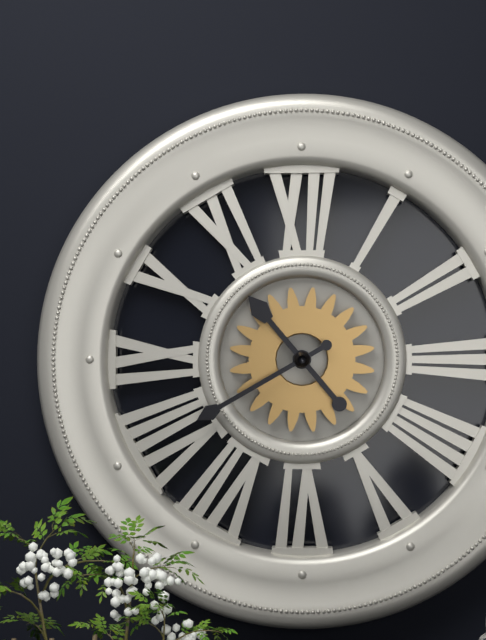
10:40
